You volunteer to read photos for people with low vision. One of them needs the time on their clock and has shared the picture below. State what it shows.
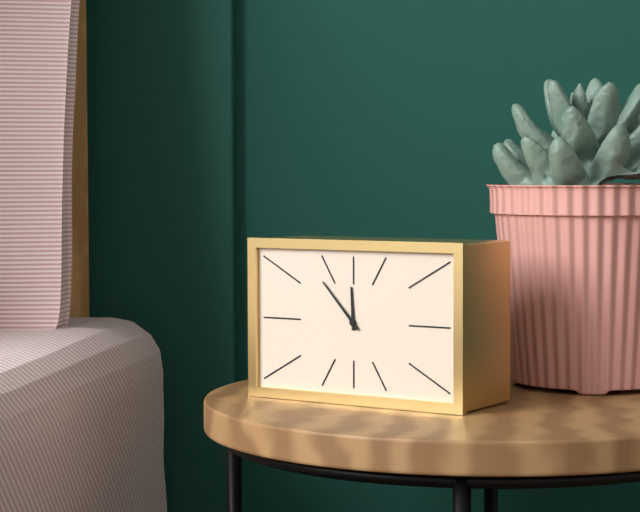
11:53
